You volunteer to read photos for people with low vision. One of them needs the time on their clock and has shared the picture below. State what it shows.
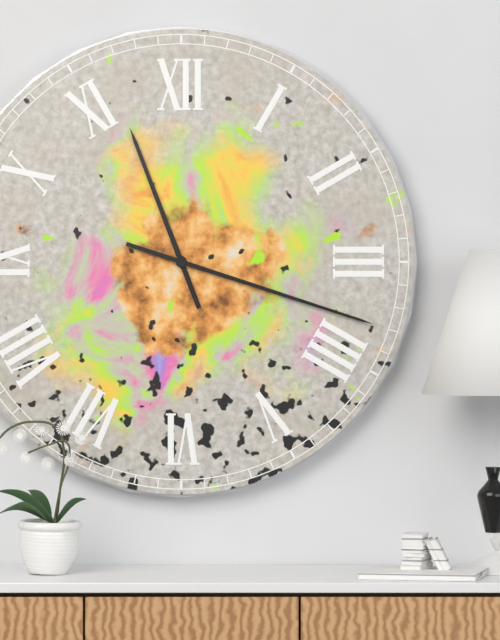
11:18
